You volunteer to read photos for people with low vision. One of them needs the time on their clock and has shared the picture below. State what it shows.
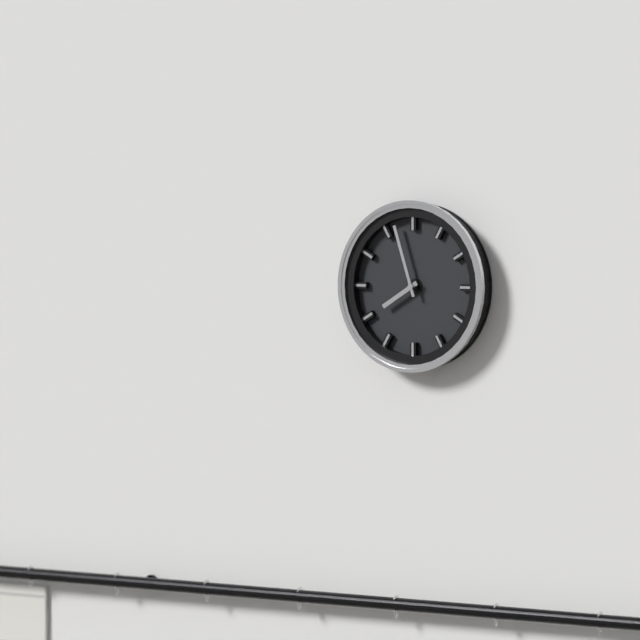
7:57
